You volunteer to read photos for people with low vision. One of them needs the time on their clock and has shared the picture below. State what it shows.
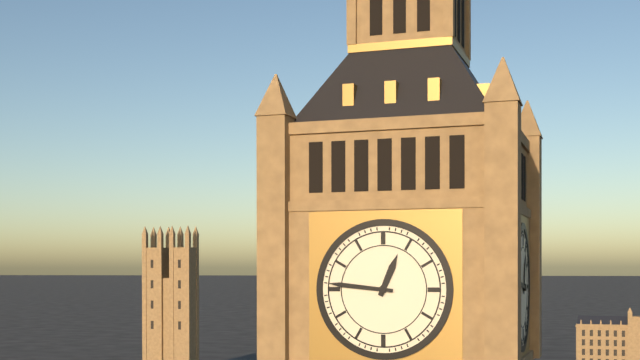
12:46
